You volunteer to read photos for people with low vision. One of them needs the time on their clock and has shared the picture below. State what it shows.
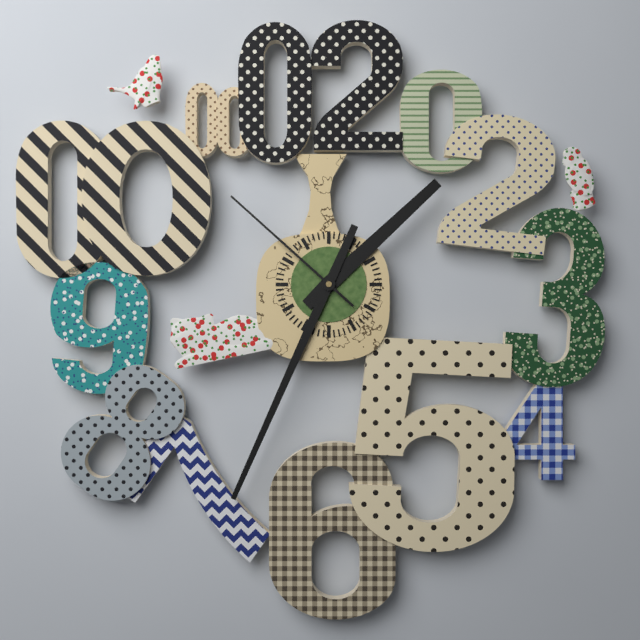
1:34:52
